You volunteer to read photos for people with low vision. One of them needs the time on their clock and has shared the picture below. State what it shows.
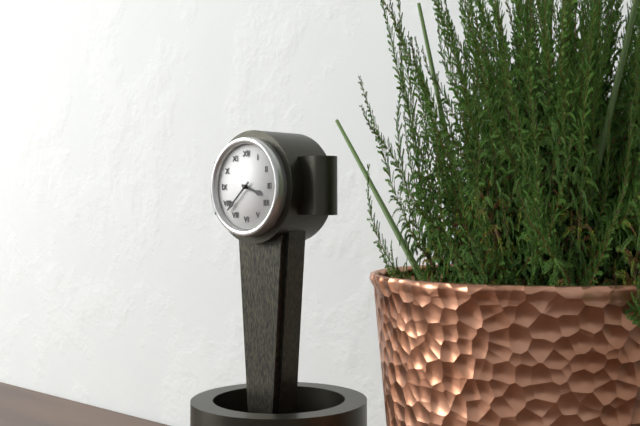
3:38
